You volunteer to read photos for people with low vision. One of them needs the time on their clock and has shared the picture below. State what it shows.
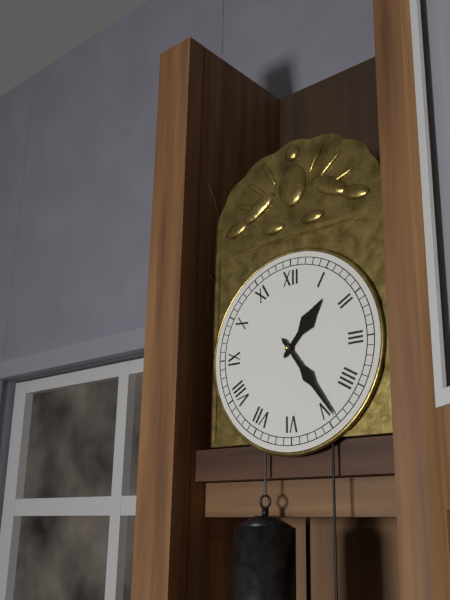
1:24
